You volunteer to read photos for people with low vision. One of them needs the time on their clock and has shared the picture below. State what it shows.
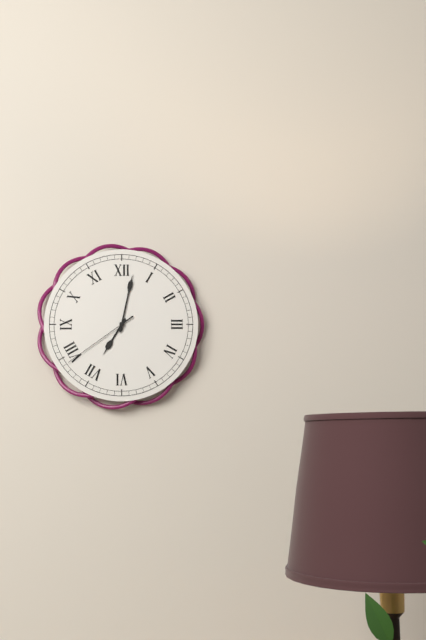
7:02:39
